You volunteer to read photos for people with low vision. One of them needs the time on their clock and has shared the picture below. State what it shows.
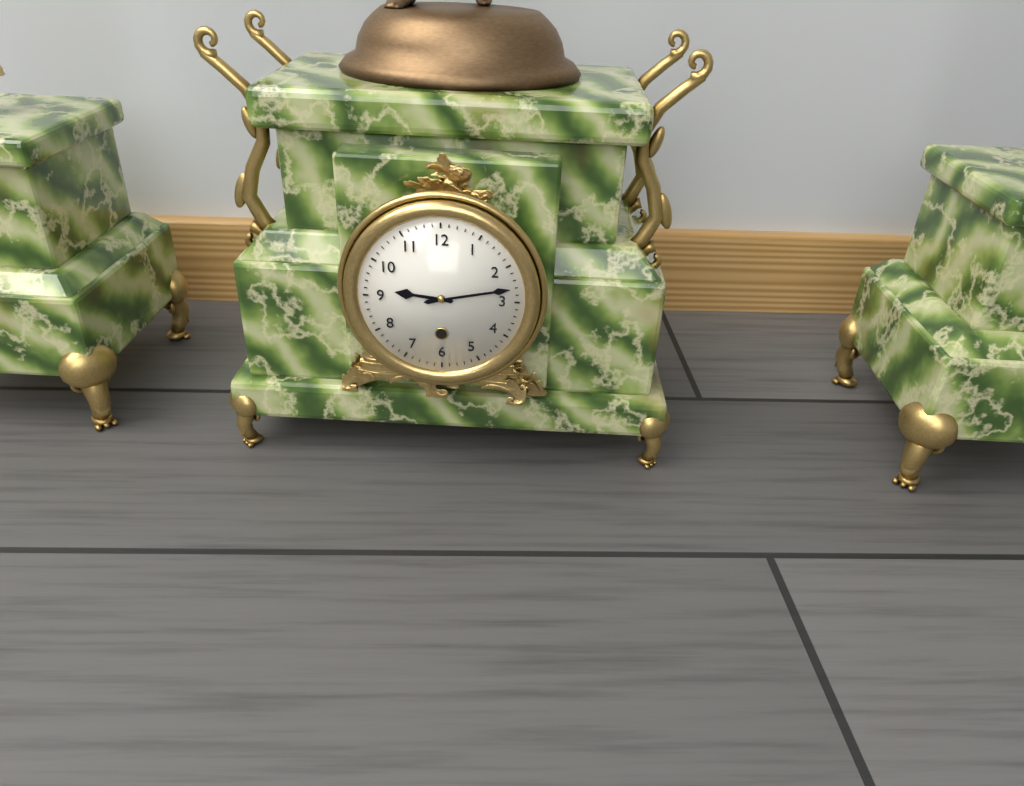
9:13
